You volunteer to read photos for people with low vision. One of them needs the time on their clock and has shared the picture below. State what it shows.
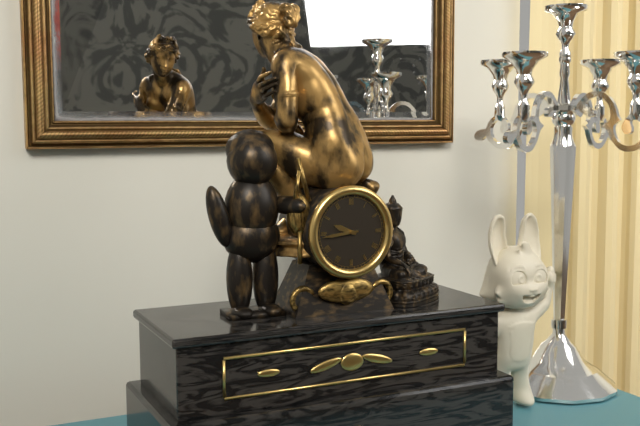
9:44
